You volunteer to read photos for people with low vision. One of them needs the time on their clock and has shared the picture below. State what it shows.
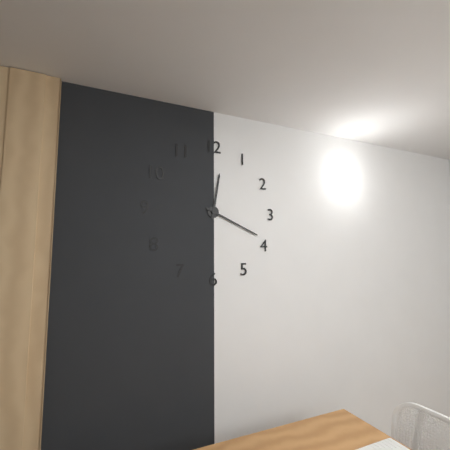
12:19
